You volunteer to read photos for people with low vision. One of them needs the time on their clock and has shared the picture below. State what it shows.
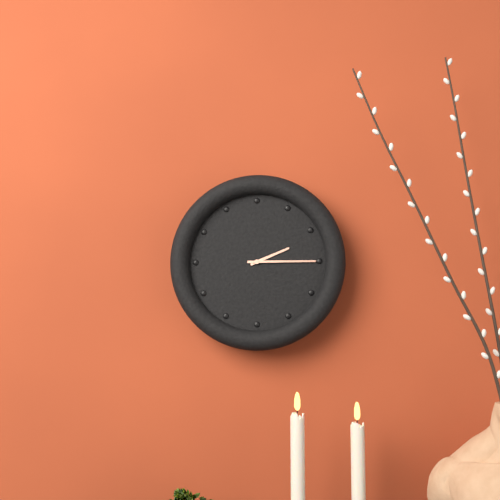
2:15
